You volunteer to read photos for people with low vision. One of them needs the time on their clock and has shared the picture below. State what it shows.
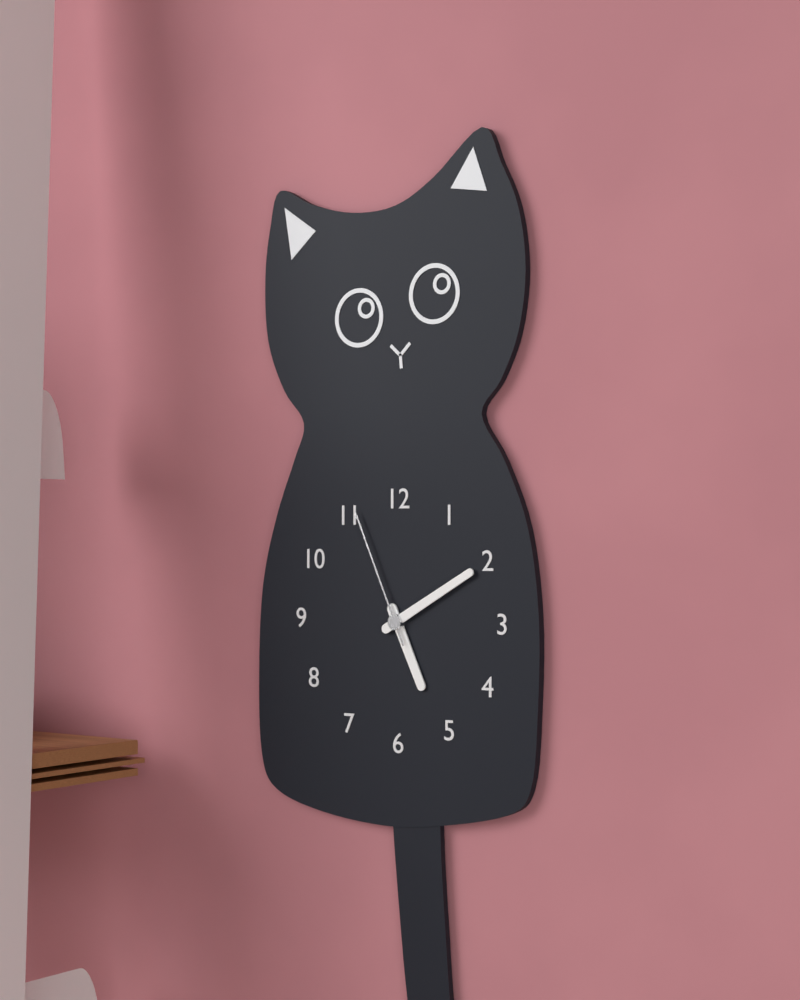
5:10:56
